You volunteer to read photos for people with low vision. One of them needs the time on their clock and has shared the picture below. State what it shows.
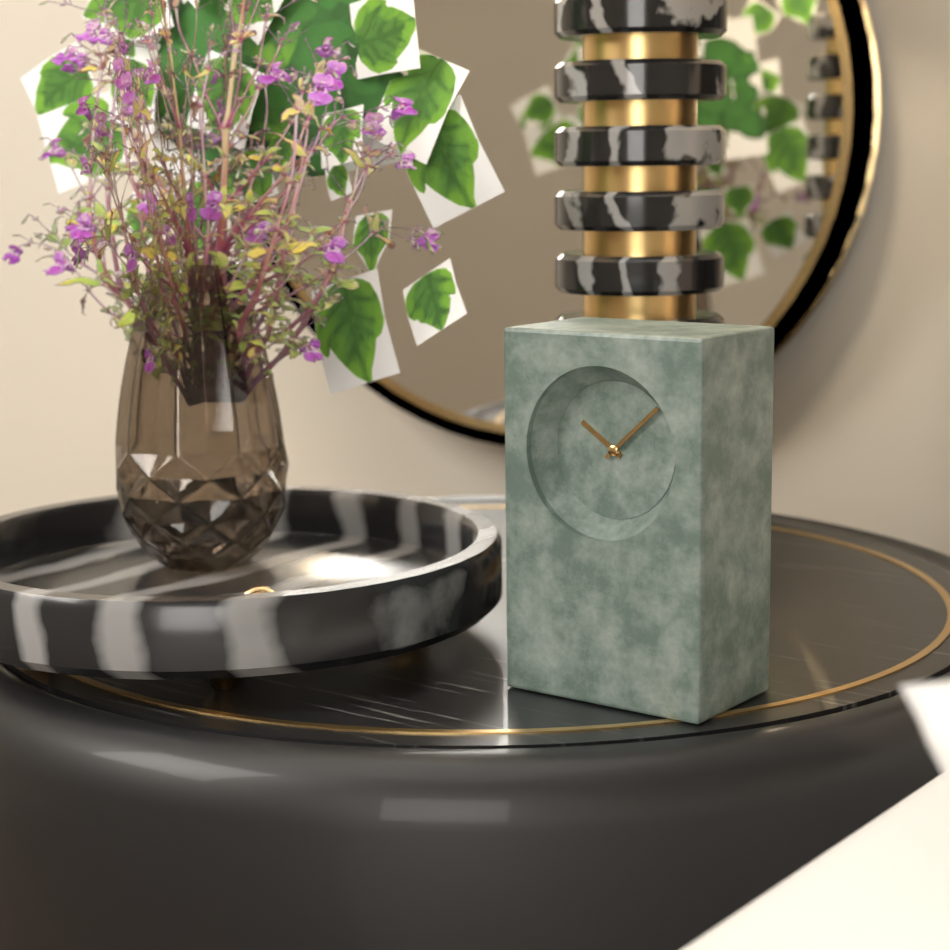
10:08
